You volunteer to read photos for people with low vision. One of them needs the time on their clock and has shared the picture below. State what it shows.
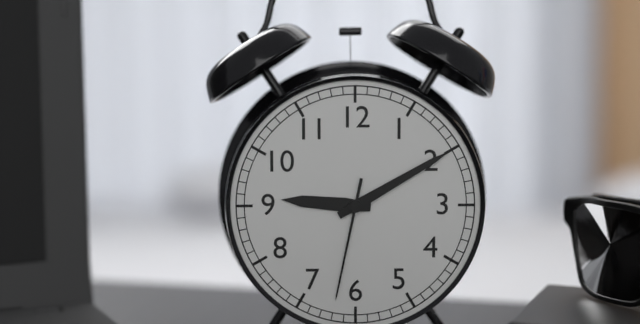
9:10:32
